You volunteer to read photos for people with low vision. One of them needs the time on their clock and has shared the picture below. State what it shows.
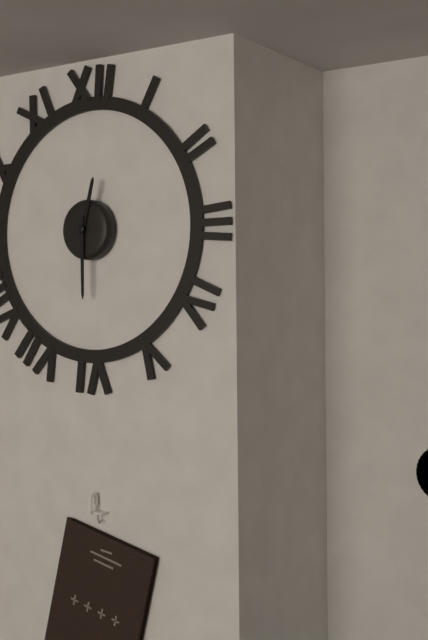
12:30
